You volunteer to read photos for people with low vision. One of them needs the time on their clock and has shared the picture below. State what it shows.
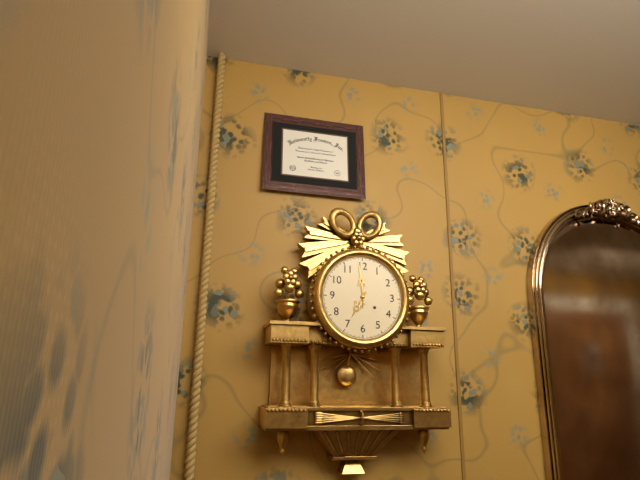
6:59
